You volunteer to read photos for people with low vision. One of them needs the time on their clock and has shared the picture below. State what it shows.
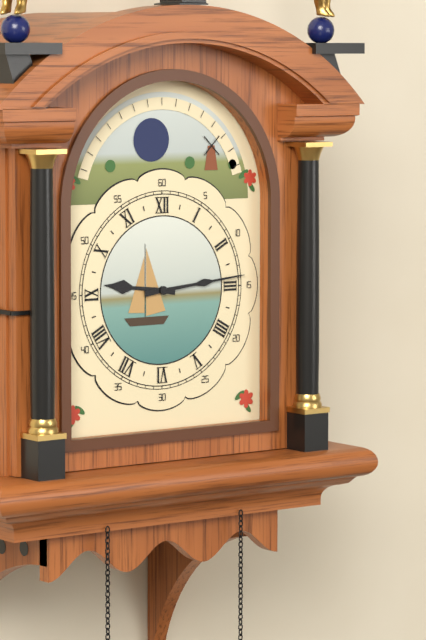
9:14
